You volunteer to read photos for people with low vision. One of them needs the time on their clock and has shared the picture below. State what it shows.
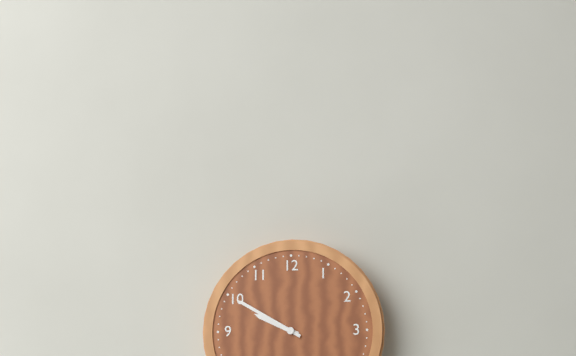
9:50
